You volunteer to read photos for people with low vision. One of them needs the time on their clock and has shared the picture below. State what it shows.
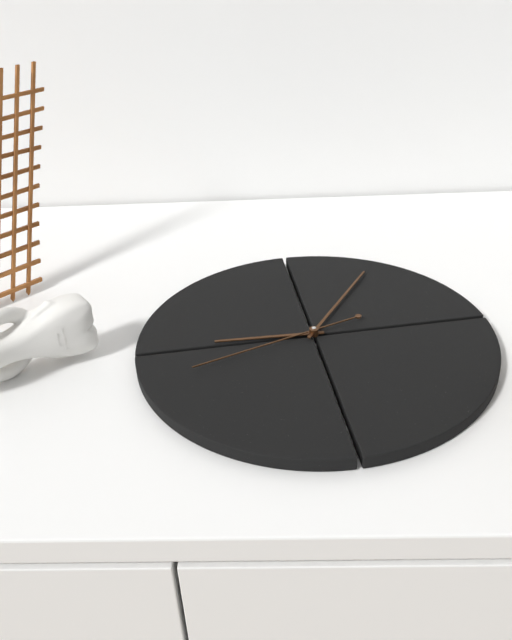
9:06:42
